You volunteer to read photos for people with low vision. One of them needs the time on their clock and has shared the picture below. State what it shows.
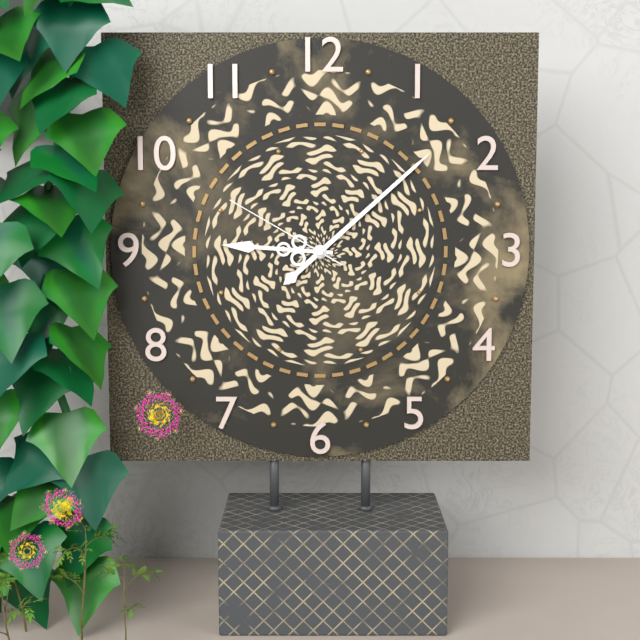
9:08:50
